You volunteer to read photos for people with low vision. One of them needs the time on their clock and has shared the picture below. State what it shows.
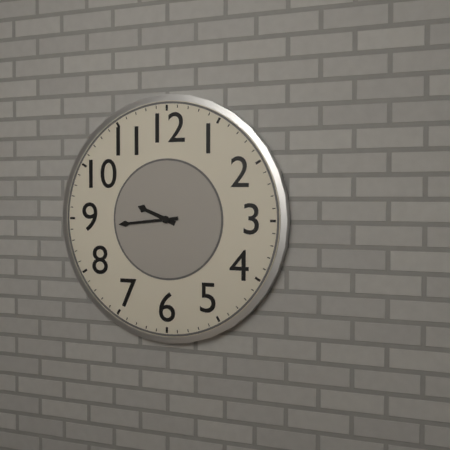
9:44
